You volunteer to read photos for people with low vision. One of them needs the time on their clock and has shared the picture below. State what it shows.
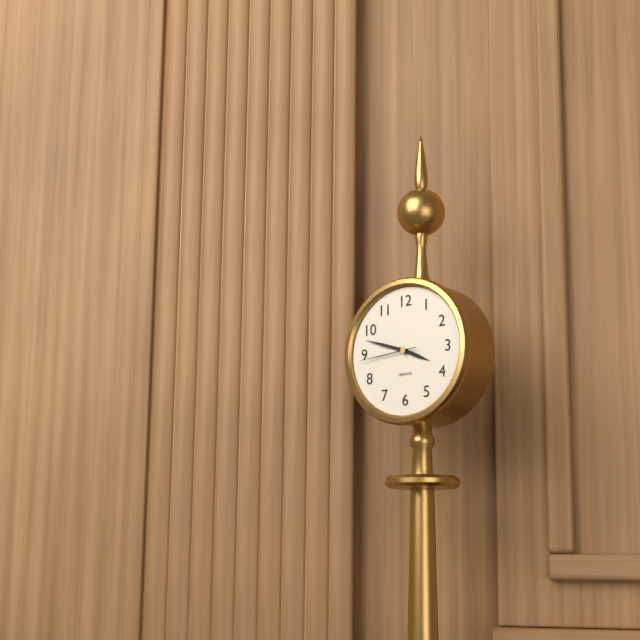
3:48:44
